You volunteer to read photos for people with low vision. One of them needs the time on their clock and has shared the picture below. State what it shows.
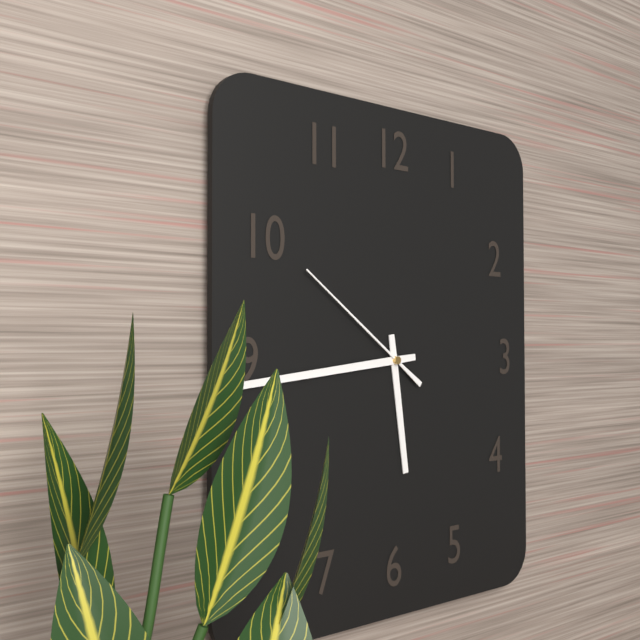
5:44:51
